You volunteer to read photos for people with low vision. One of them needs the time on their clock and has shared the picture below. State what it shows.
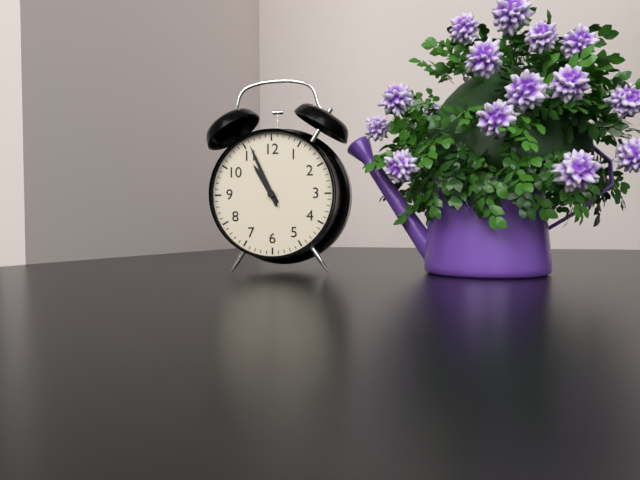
10:56
